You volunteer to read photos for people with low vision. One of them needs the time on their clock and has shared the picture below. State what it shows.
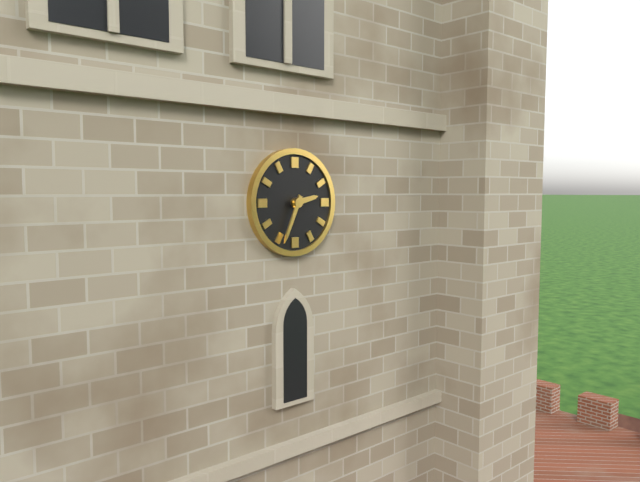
2:34
